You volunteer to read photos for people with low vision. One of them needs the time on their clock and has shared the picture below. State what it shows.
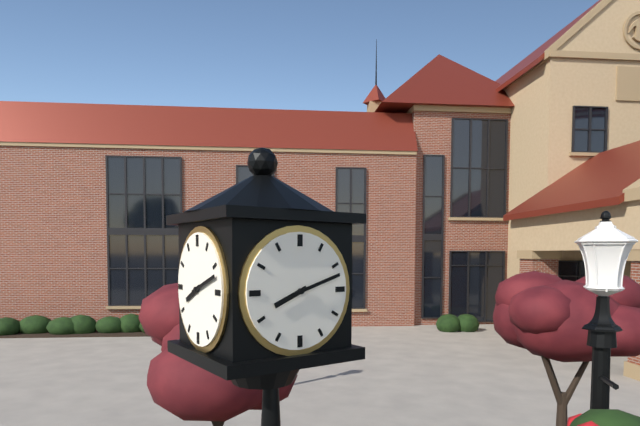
8:12
